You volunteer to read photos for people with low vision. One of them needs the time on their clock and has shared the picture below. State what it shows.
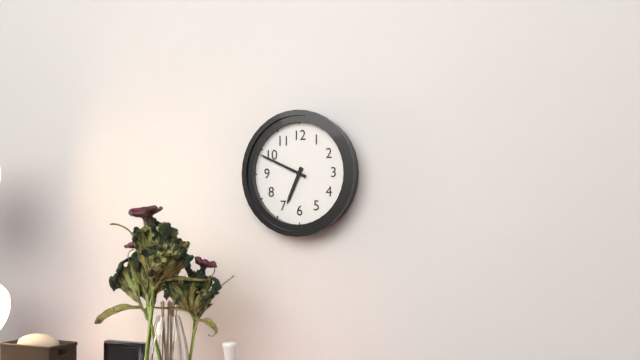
6:49
